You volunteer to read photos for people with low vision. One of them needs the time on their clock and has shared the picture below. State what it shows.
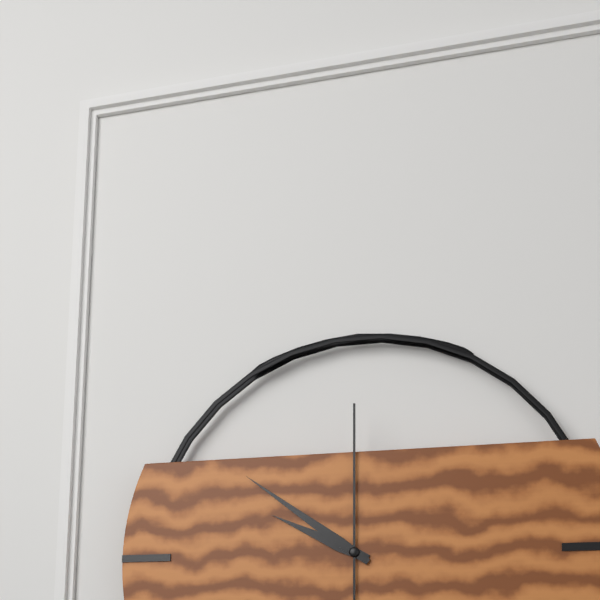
9:51:00
